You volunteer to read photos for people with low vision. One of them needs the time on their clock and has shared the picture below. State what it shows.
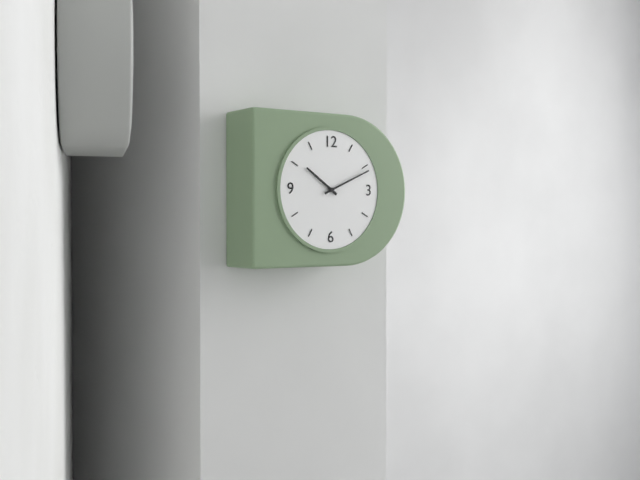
10:11
